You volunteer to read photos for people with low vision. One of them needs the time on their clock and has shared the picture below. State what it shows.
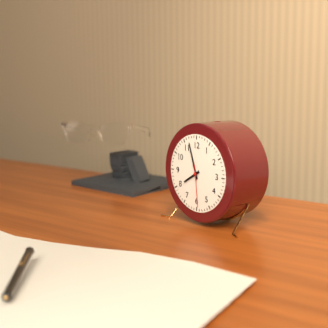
7:57
